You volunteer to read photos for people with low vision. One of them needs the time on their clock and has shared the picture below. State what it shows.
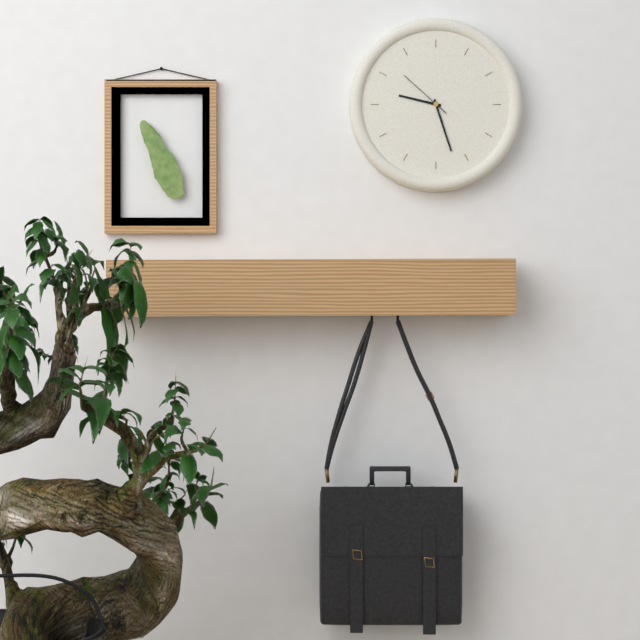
9:27:52
